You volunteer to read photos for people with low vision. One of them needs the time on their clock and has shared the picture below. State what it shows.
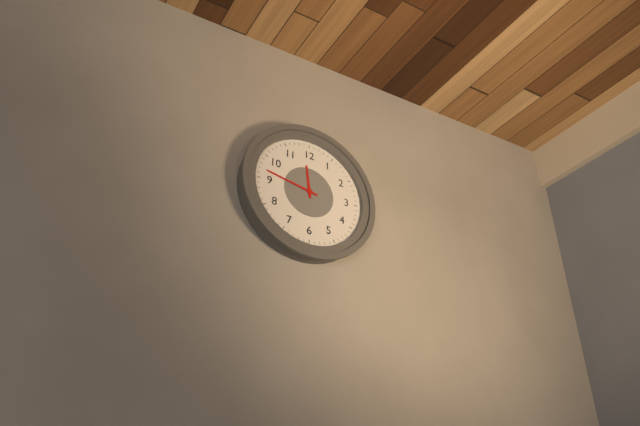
11:47
